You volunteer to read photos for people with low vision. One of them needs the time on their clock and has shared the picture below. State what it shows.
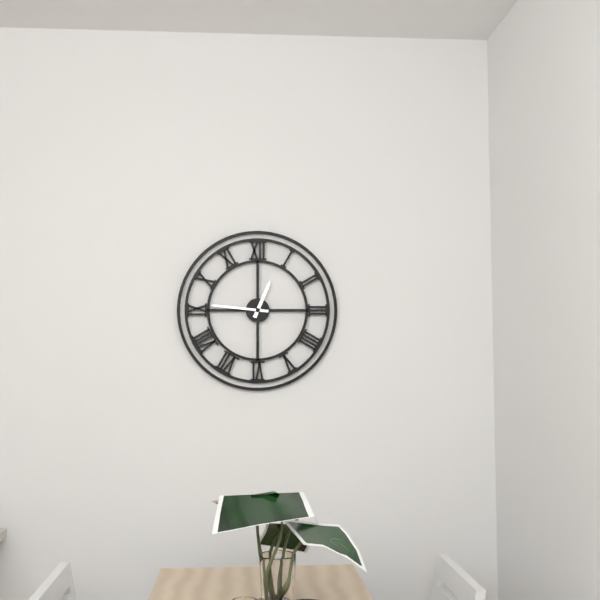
12:46
